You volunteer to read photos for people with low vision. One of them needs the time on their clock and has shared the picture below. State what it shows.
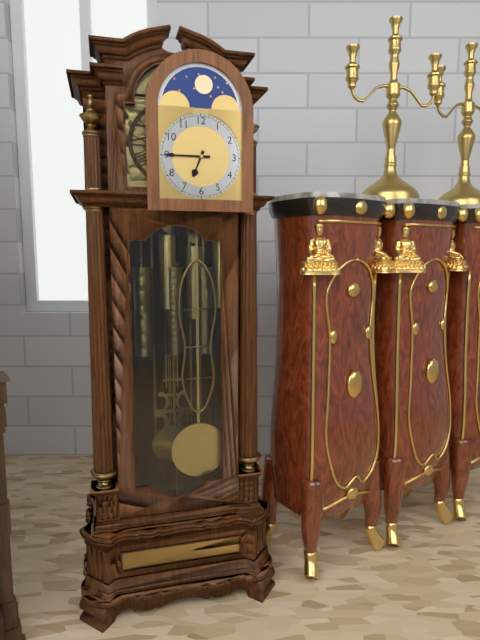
6:45
